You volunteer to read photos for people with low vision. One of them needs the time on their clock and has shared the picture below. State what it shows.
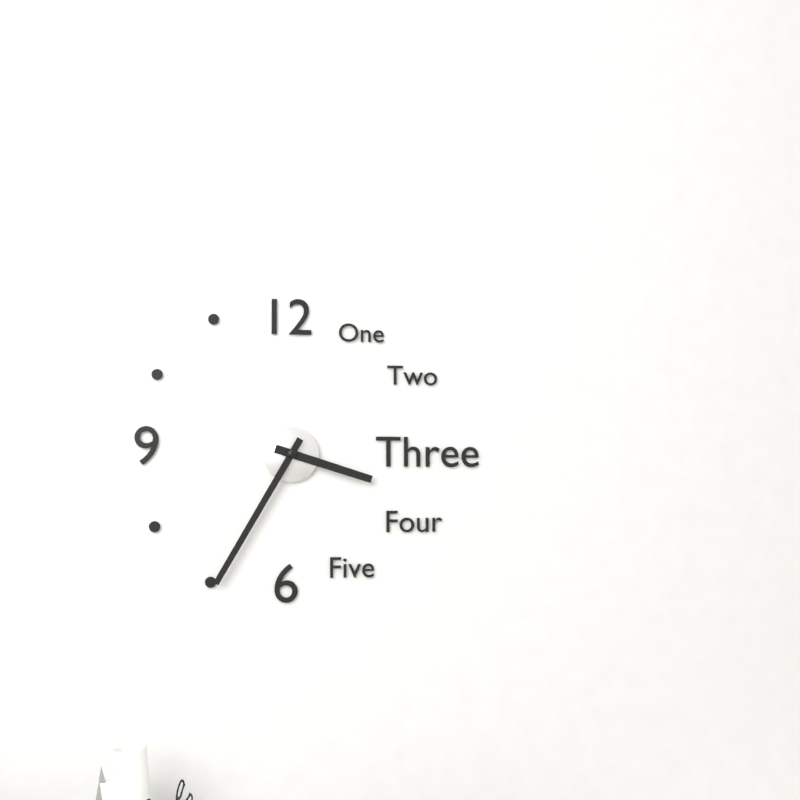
3:35
